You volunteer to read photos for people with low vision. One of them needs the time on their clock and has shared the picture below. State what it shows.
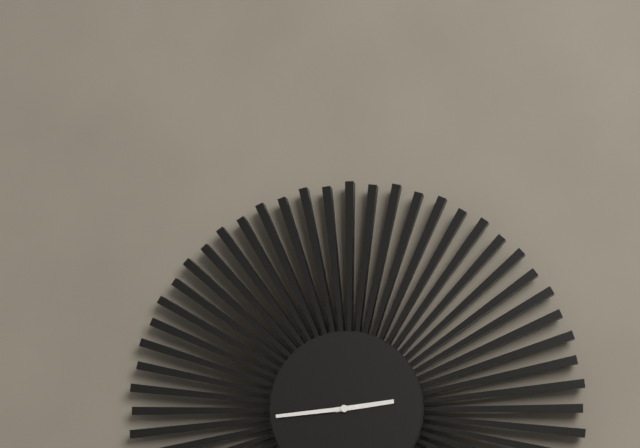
2:44
